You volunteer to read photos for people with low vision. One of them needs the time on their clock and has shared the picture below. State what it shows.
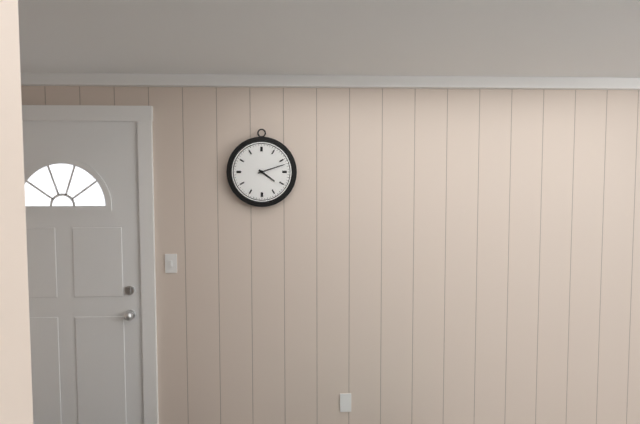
4:12
